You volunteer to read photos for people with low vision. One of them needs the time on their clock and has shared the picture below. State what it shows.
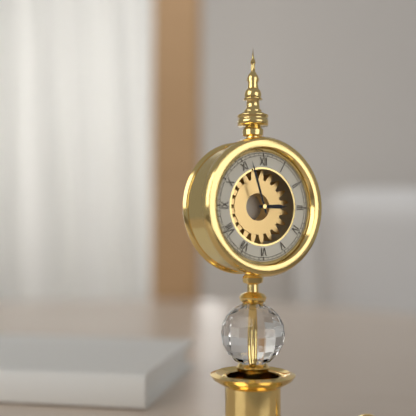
2:57
